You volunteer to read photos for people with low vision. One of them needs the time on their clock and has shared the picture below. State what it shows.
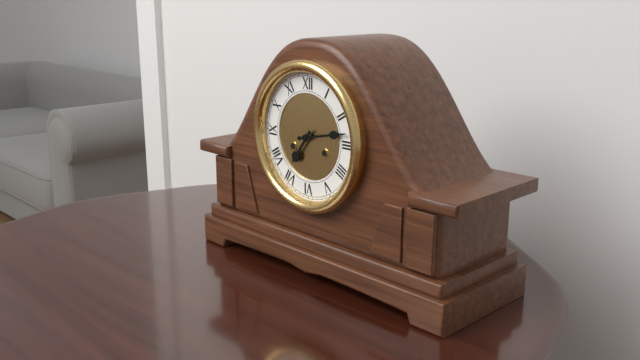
7:13
